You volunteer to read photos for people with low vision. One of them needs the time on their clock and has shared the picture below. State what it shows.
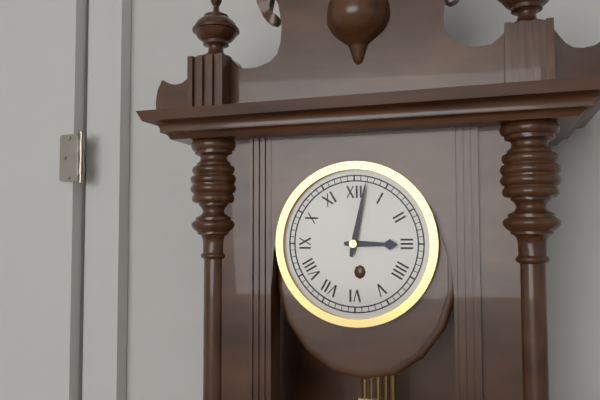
3:02
